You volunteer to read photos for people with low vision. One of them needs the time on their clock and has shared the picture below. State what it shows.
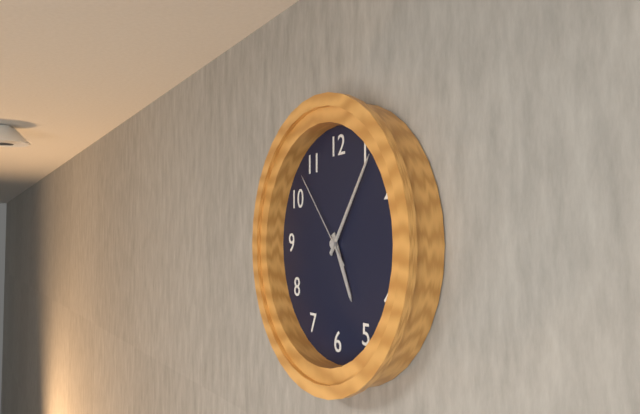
5:06:53
